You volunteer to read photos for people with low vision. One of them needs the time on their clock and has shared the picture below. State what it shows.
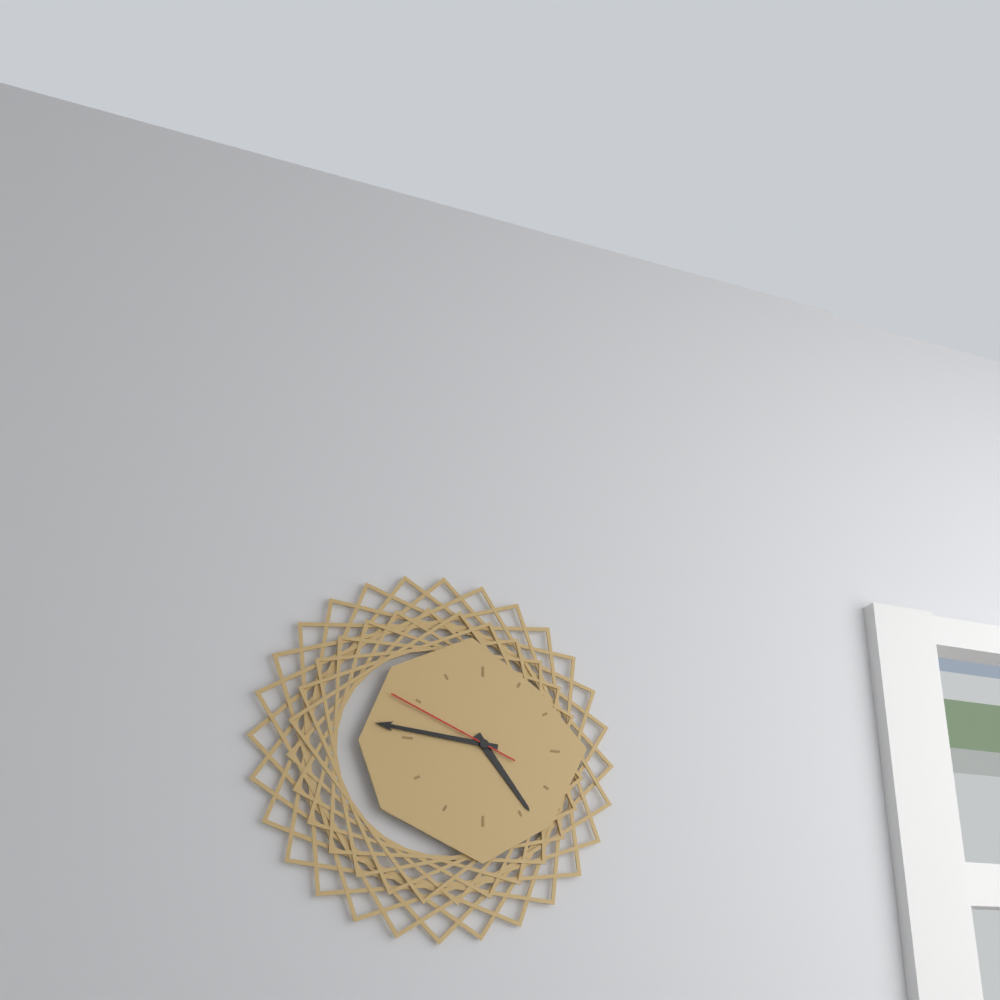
4:46:49
